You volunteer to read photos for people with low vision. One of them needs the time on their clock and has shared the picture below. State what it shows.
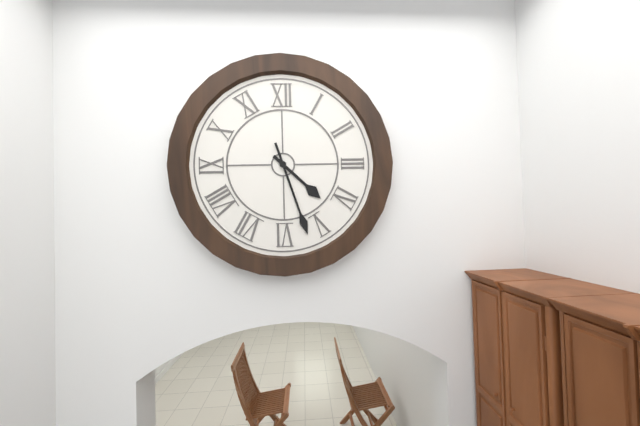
4:27
